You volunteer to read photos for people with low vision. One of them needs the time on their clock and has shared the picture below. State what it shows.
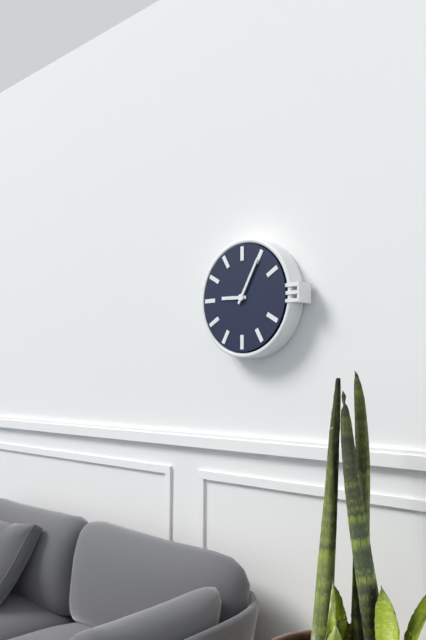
9:05
